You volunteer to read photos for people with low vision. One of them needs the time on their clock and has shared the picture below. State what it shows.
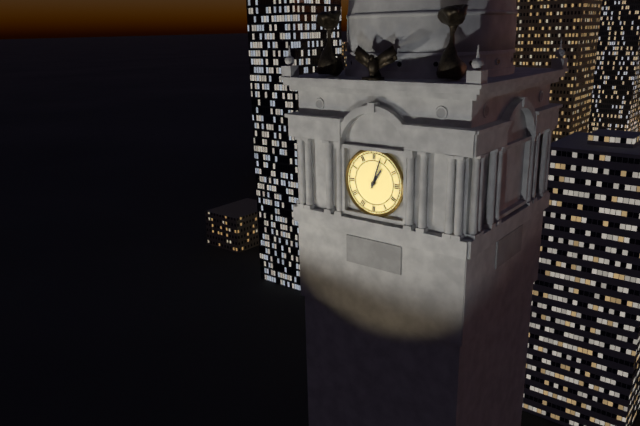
1:03
